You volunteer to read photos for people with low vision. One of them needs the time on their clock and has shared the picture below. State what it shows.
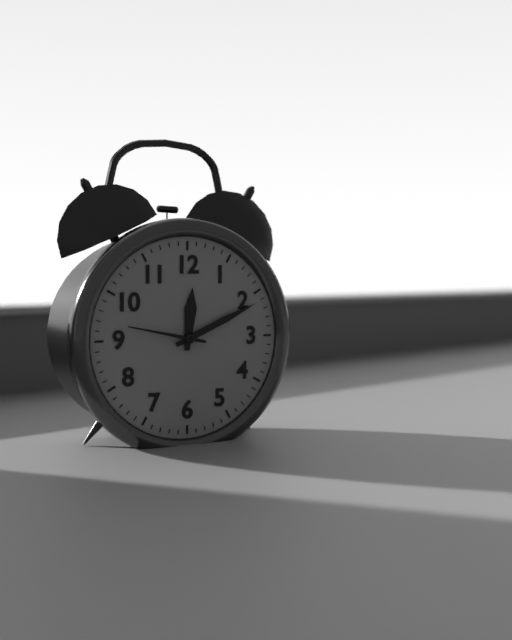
12:11:47
